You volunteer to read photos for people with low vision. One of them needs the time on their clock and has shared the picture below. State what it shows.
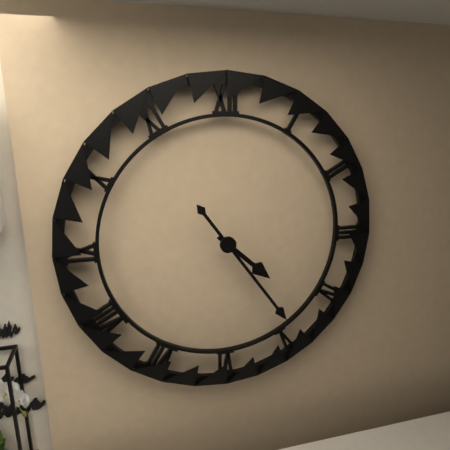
4:24
